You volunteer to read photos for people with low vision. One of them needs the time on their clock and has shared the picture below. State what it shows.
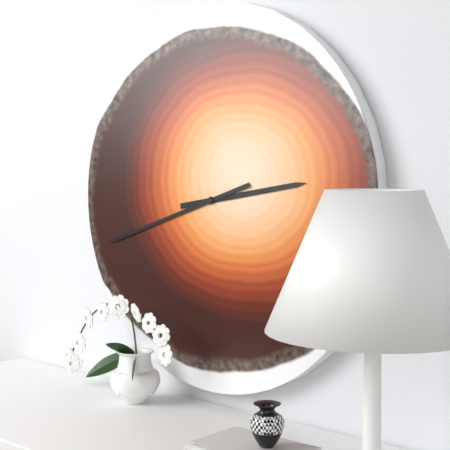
2:42
